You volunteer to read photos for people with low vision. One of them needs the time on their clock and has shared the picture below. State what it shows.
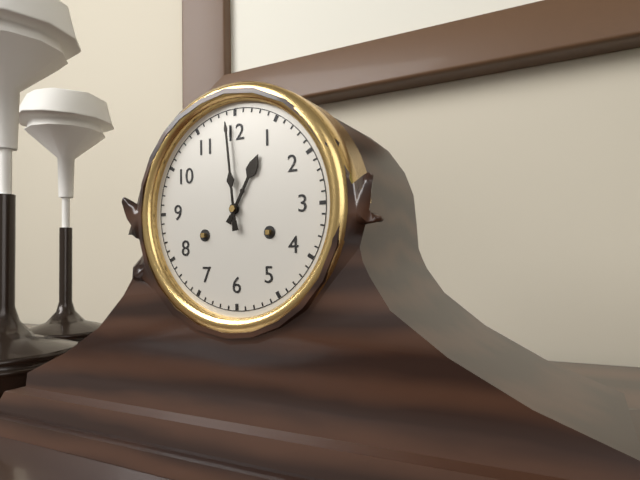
12:59
